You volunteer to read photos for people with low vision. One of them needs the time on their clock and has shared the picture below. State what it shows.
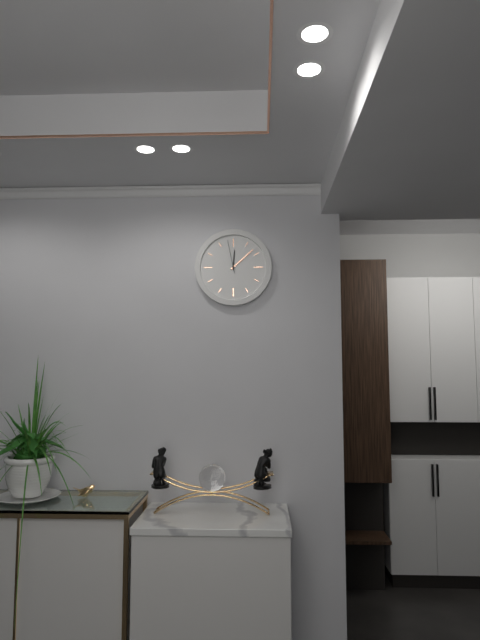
12:08
